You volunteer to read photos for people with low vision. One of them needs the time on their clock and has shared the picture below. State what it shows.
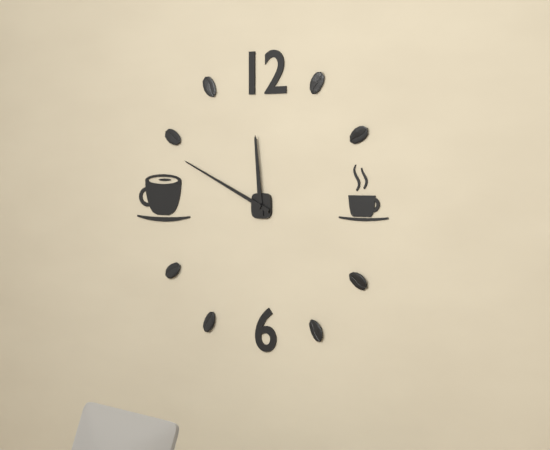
11:49
